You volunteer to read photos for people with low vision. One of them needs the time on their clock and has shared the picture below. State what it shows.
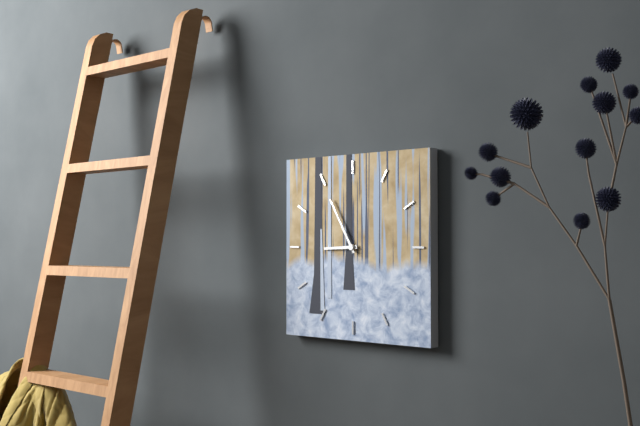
8:55
